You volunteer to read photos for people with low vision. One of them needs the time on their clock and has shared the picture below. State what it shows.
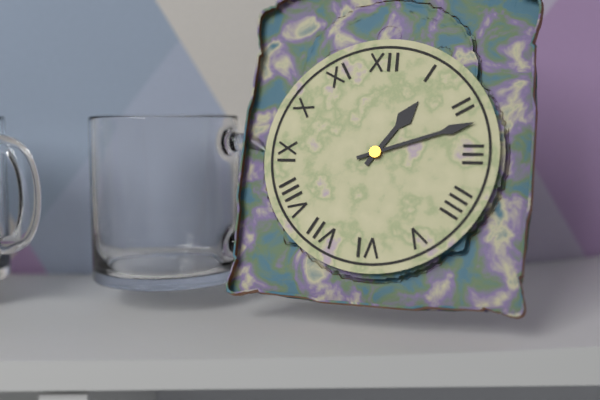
1:12
